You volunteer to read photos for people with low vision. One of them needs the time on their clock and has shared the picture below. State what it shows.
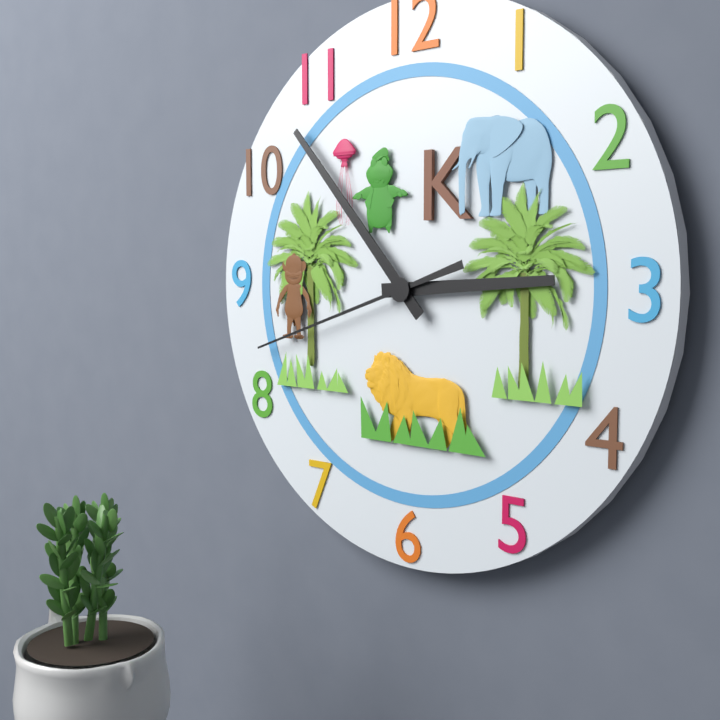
2:53:42
